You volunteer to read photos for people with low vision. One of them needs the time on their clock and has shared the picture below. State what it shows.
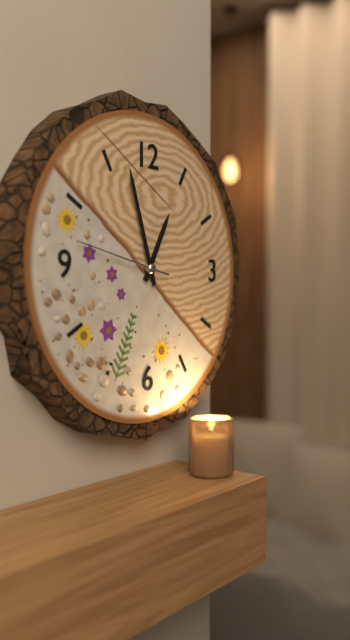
12:57:47
